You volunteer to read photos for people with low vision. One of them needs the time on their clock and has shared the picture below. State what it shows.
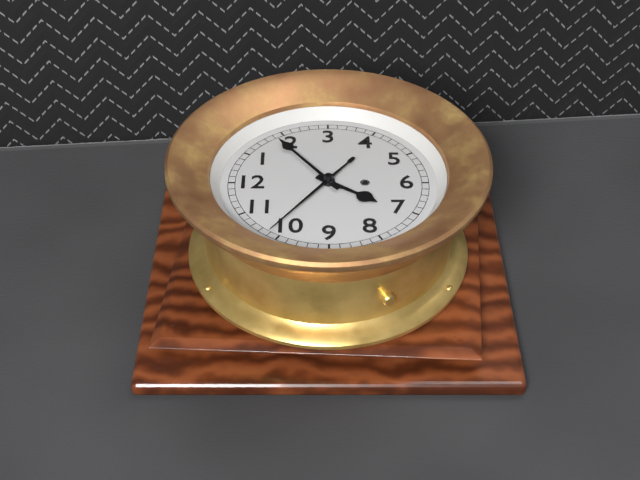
7:09:51
